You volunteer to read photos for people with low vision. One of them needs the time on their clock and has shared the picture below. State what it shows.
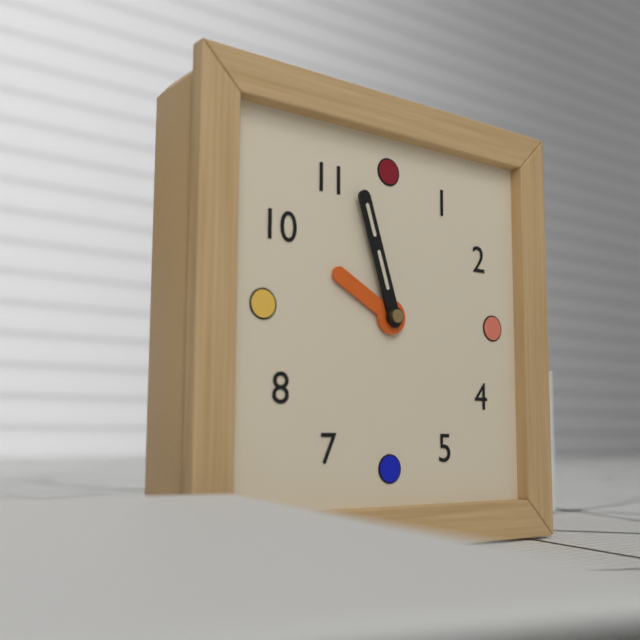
9:57
